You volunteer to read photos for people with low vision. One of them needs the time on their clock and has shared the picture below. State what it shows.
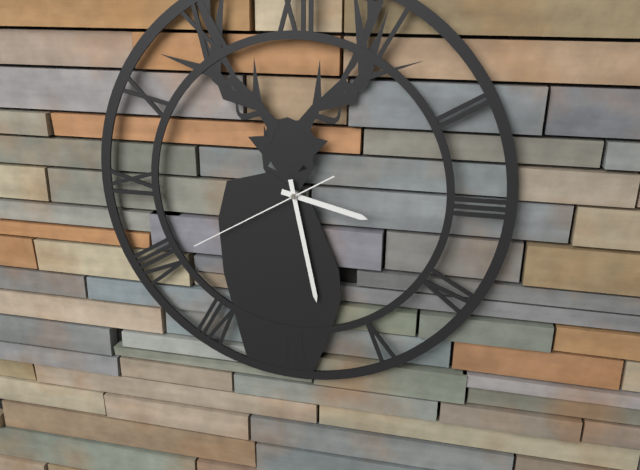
3:28:40
